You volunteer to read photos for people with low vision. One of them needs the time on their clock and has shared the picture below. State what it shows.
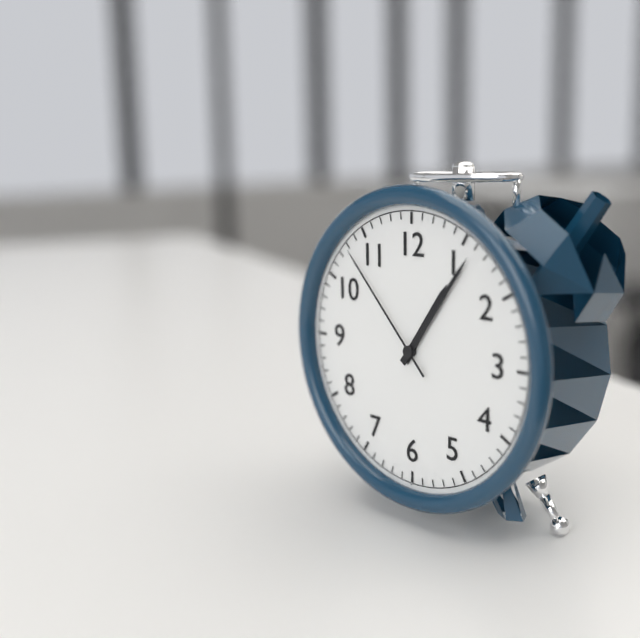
1:06:53
